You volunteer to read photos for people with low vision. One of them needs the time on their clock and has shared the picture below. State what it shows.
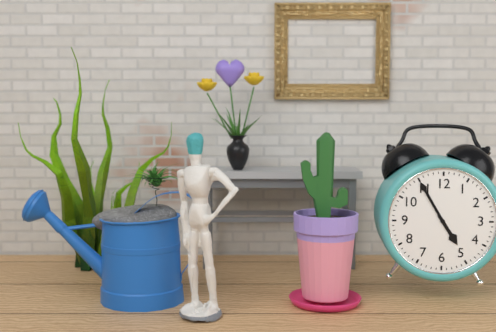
4:55
